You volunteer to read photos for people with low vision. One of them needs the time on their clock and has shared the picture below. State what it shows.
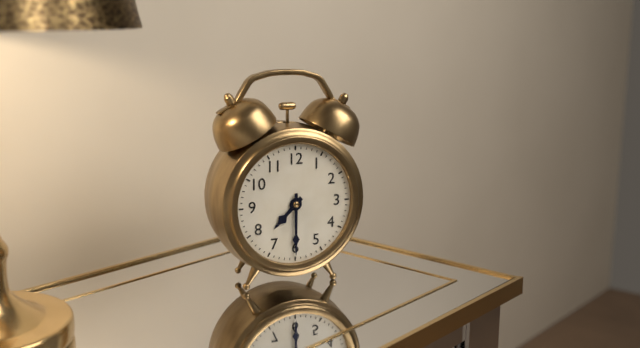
7:30
